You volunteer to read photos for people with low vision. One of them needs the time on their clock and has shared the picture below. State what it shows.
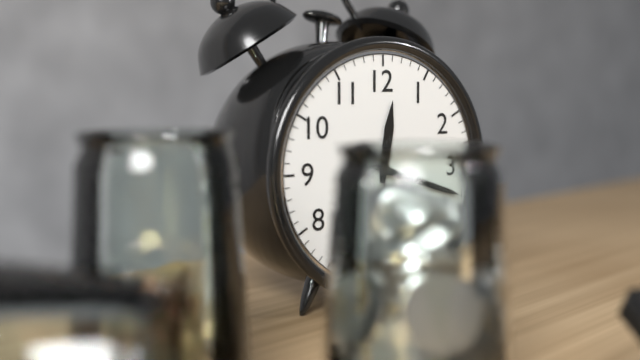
12:18
